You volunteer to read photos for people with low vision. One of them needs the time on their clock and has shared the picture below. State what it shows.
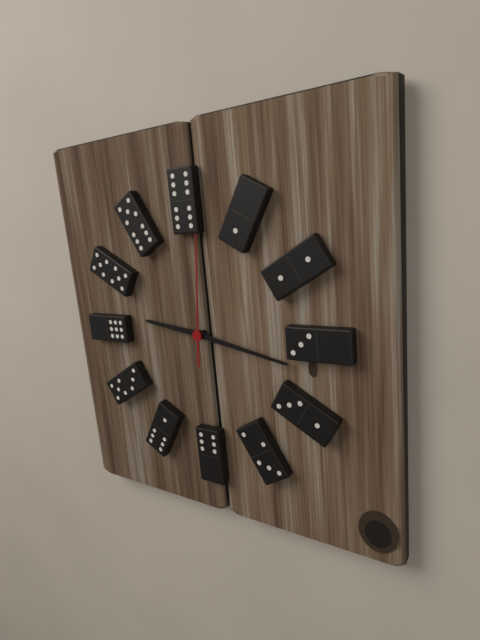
9:17:01
